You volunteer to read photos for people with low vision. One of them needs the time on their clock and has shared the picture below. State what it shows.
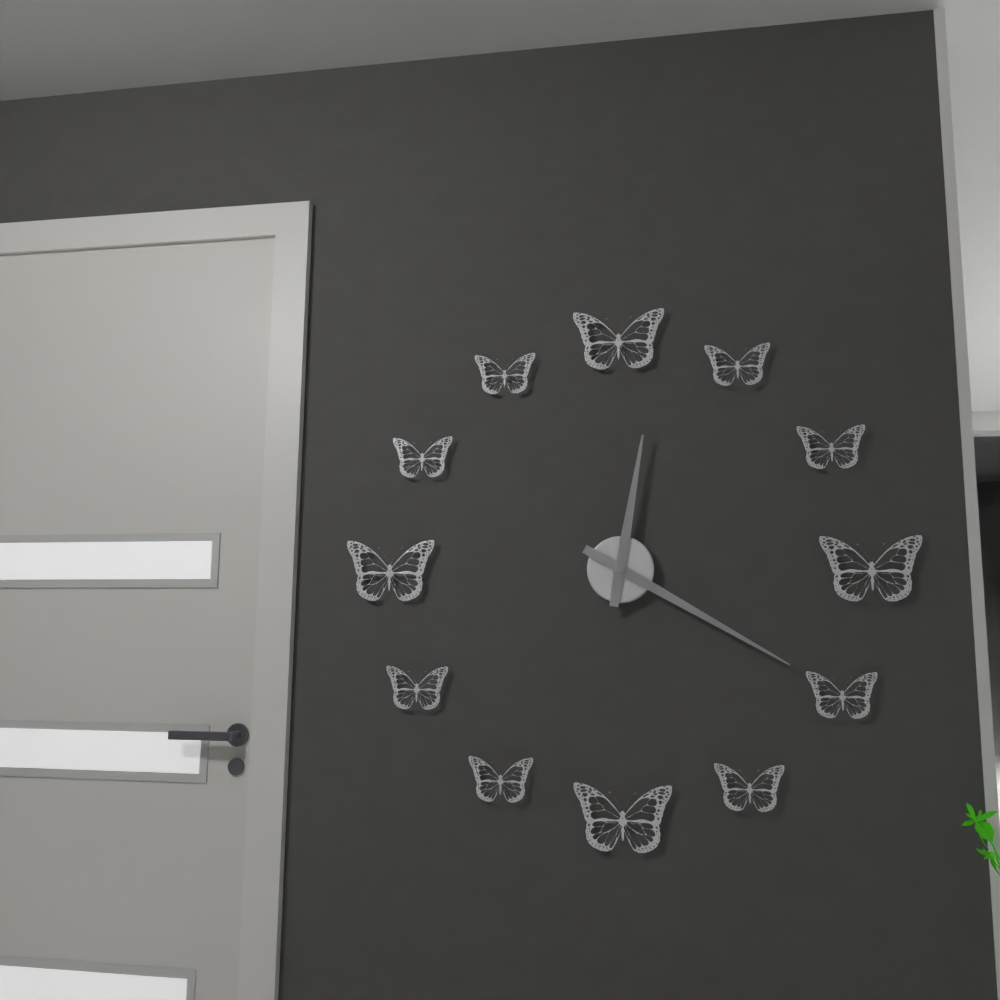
12:20
